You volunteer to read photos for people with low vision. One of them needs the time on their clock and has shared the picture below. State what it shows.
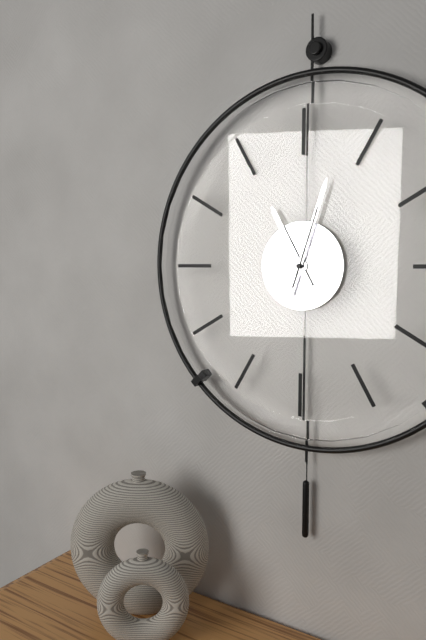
11:03:03
